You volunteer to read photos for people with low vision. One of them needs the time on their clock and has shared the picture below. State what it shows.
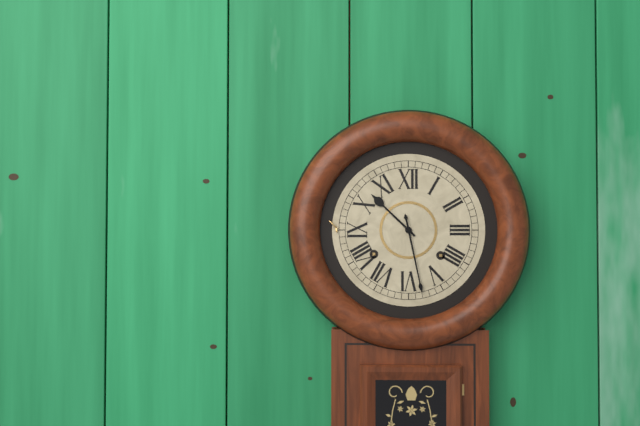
10:28
